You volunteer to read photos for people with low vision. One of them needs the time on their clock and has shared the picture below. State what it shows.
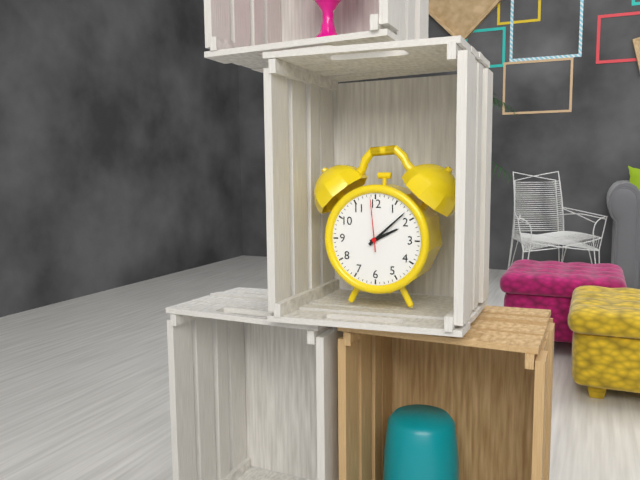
2:08:59
